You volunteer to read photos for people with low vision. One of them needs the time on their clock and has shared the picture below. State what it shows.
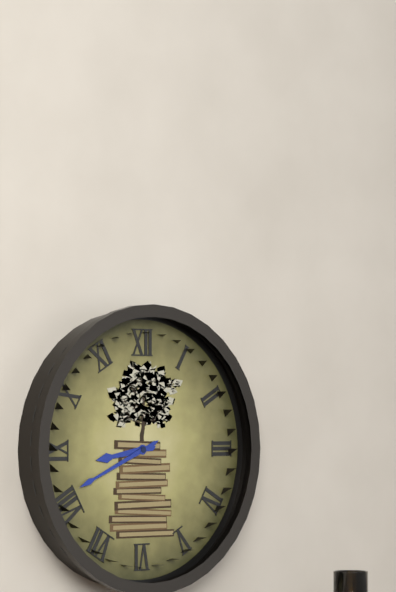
8:41
